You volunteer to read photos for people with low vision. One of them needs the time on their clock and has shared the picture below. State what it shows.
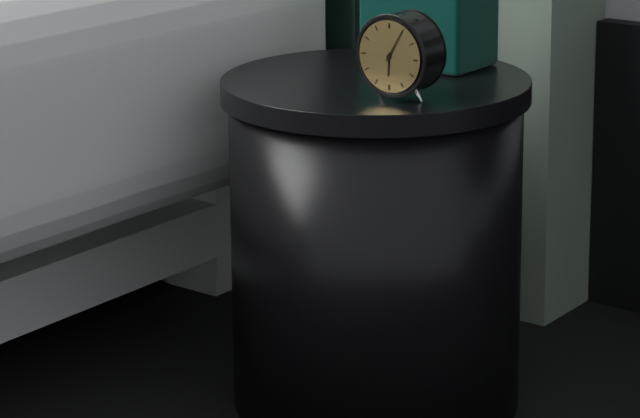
6:05
